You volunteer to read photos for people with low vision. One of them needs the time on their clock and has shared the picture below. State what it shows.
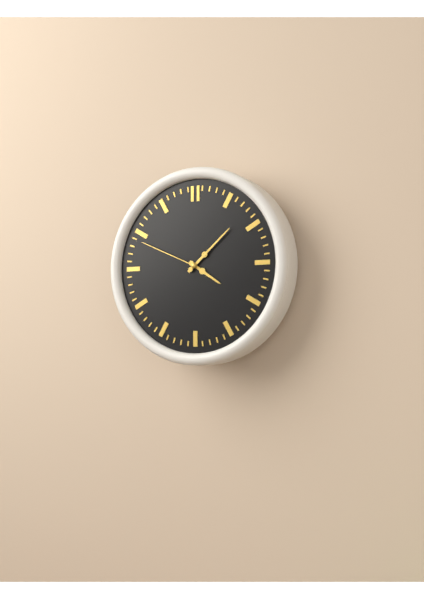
4:08:49
